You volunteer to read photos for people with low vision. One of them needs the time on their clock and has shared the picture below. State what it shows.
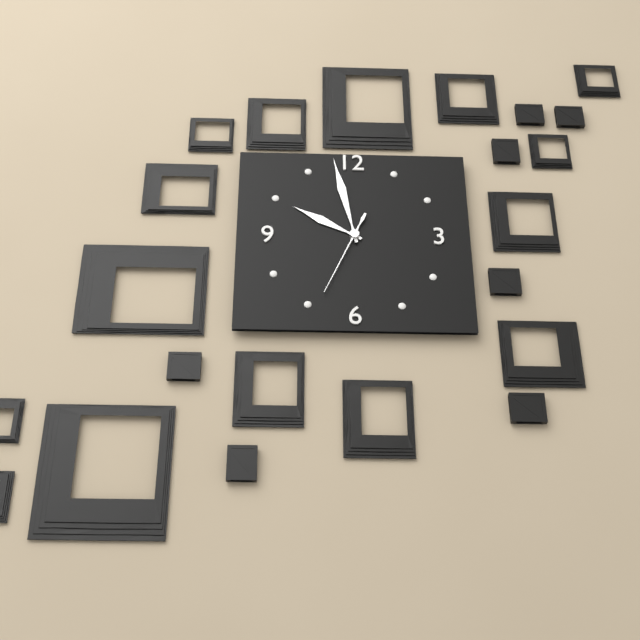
9:58:34
